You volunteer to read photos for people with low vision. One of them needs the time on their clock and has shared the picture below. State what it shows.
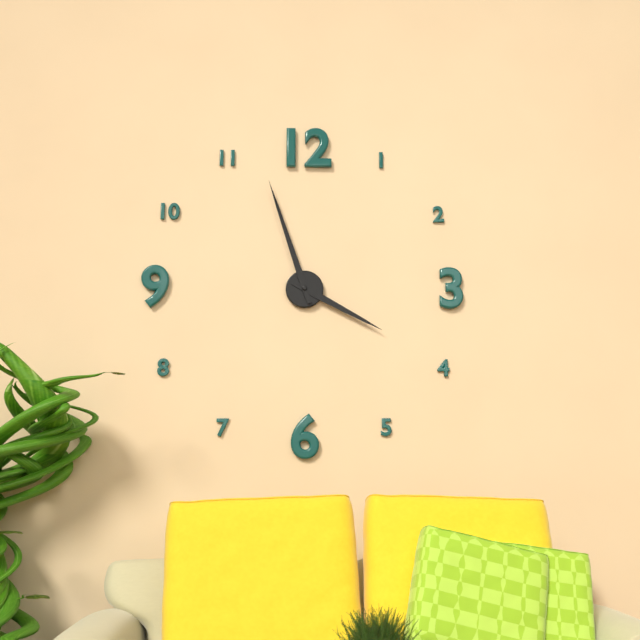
3:57
